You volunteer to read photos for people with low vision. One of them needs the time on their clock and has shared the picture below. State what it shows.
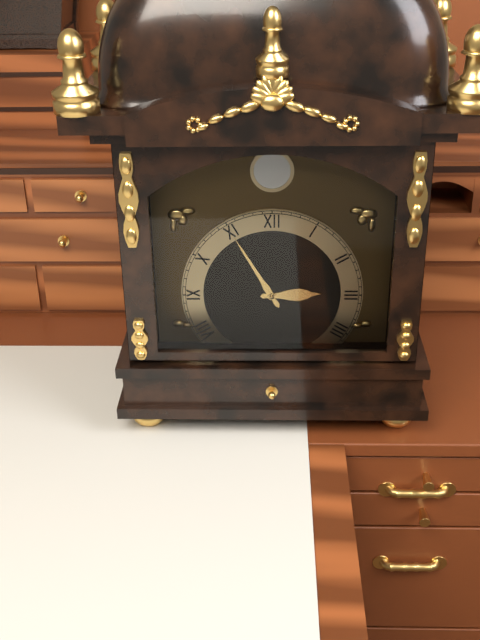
2:55
